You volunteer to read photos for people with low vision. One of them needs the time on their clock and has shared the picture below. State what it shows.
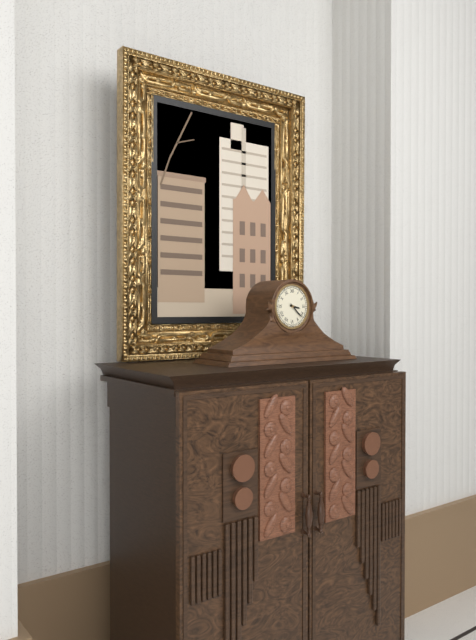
3:22
